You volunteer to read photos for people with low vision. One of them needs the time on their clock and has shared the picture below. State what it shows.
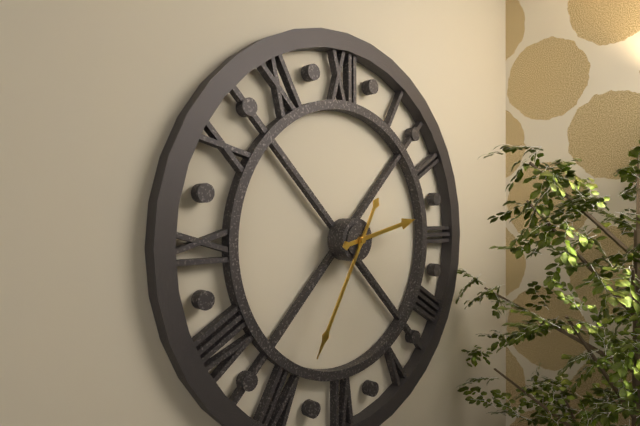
2:35
